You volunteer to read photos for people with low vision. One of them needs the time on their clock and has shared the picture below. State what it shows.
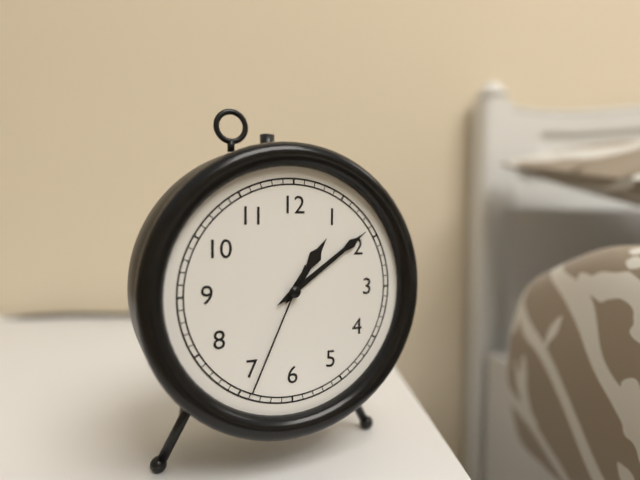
1:09:34
